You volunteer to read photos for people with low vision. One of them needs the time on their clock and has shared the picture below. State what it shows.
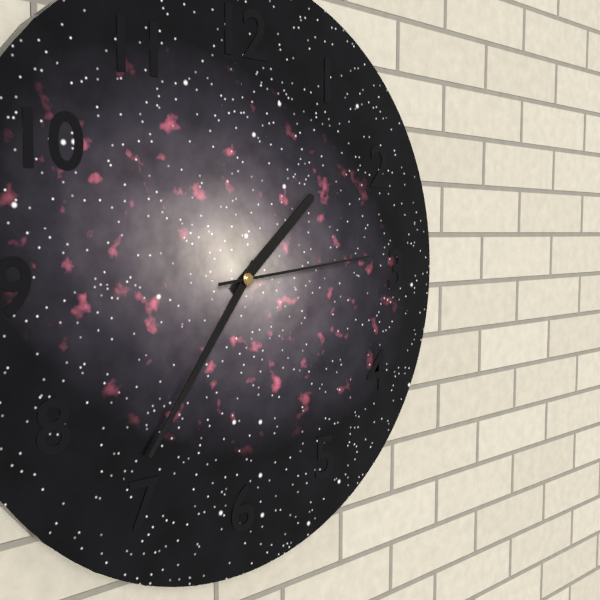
1:36:14
